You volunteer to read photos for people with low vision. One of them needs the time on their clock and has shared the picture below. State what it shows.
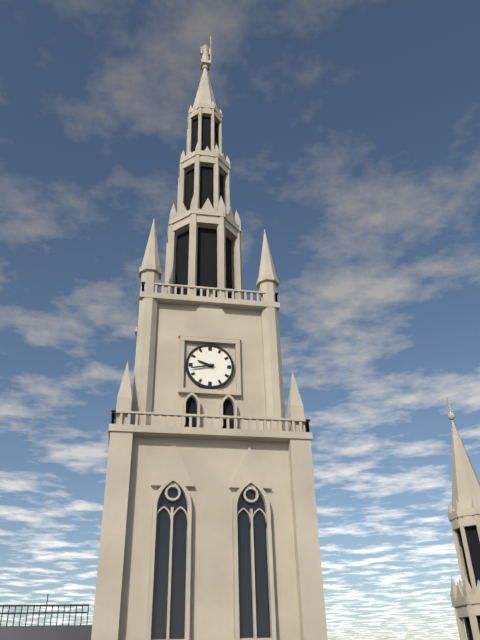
9:43
